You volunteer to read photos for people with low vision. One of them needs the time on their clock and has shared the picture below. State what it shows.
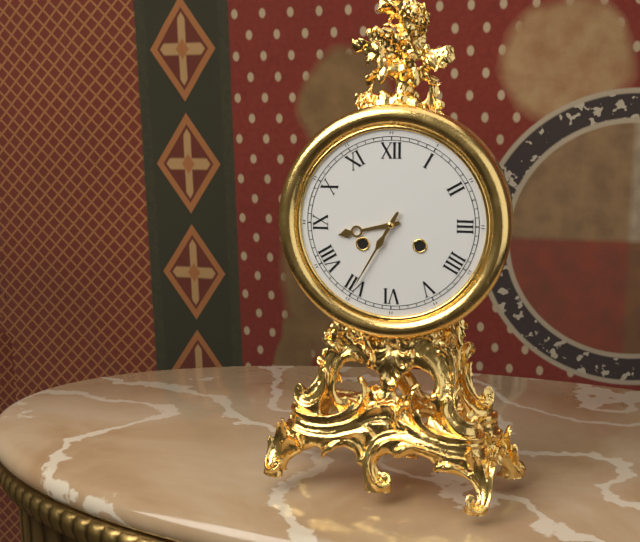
8:35
